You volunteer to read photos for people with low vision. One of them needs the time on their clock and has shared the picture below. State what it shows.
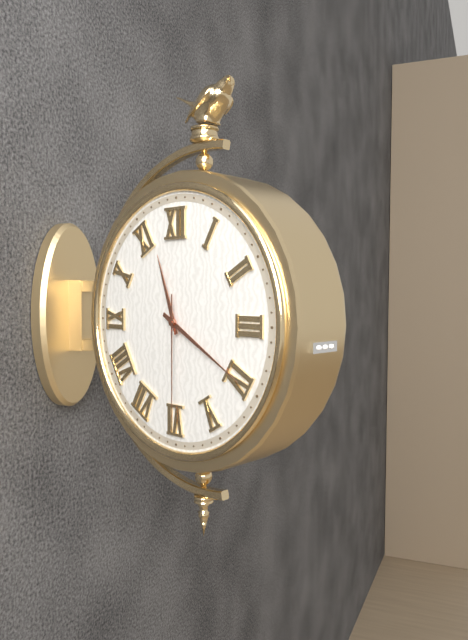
11:20:30
